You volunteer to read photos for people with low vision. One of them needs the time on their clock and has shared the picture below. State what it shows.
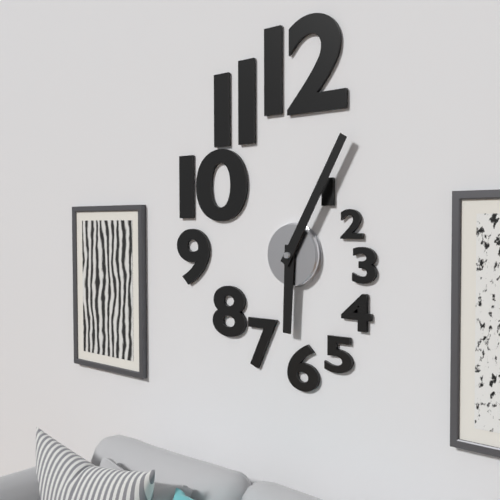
6:05
